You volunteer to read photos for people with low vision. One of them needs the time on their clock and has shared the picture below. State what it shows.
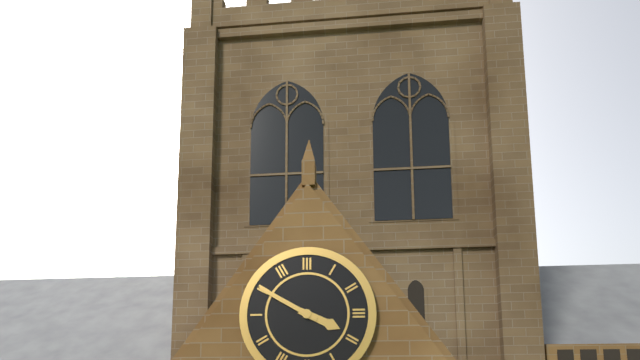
3:50
